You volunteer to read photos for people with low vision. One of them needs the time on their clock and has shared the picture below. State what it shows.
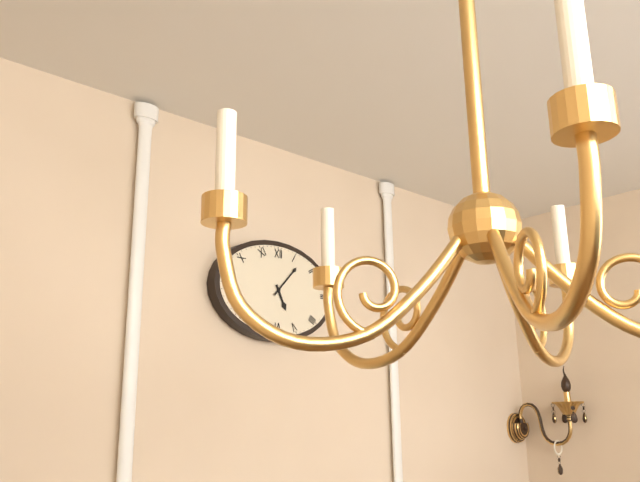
5:07
